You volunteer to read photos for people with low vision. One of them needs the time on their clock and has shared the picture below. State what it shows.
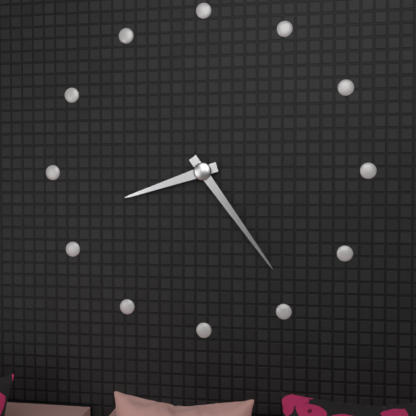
8:24
